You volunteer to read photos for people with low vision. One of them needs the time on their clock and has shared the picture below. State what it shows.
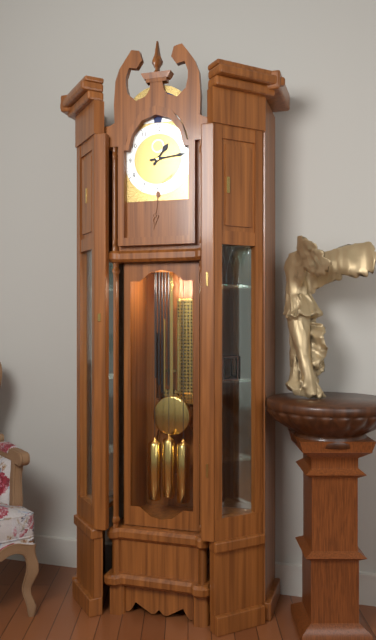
1:14
